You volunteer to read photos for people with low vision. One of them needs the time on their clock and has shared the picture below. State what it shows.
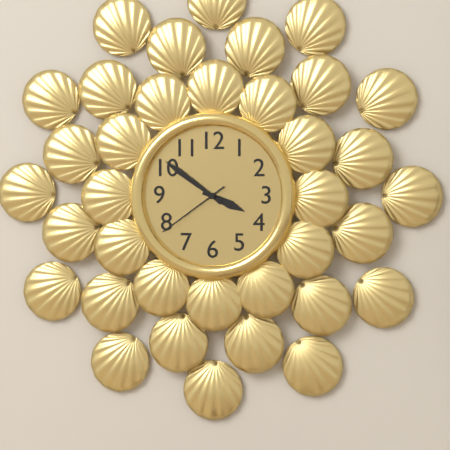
3:51:39
